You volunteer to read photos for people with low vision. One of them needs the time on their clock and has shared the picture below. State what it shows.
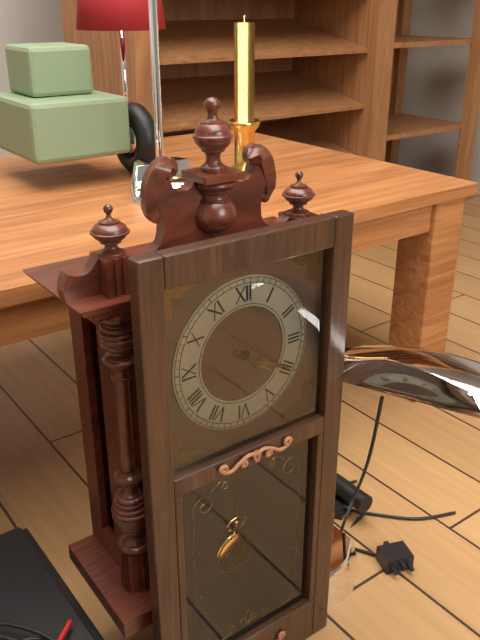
4:20
